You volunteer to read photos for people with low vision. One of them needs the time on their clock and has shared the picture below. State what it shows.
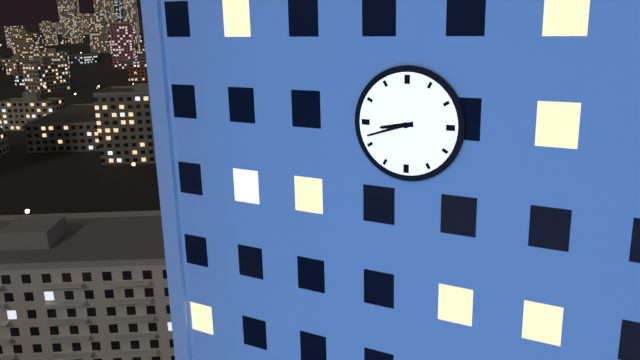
8:42
